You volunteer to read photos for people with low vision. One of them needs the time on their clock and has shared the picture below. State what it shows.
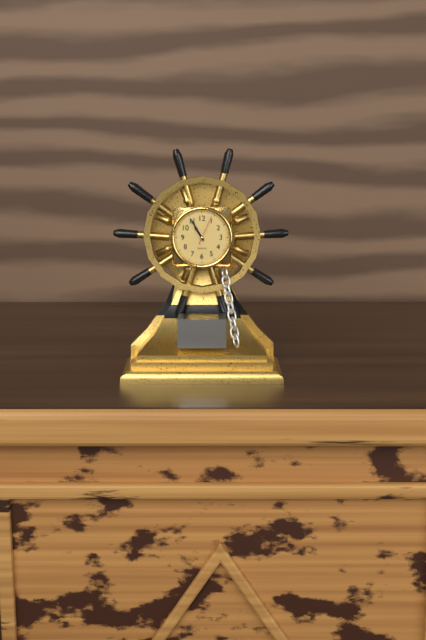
10:55
